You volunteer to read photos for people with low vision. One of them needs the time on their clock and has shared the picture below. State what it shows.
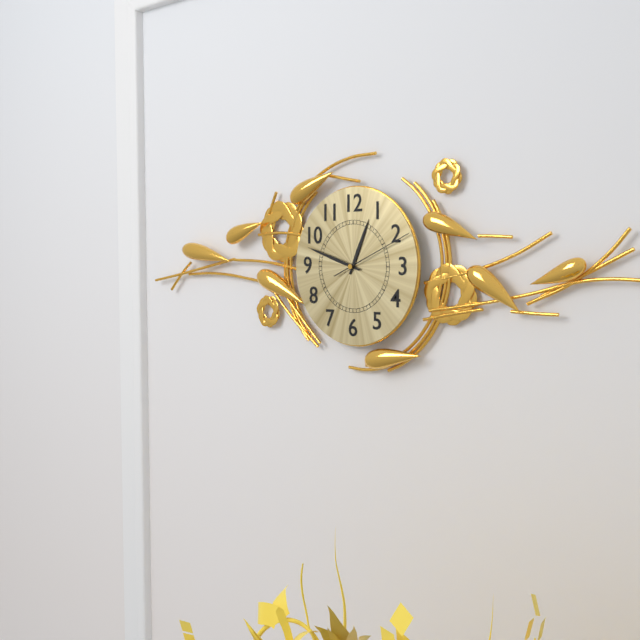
12:48:11
